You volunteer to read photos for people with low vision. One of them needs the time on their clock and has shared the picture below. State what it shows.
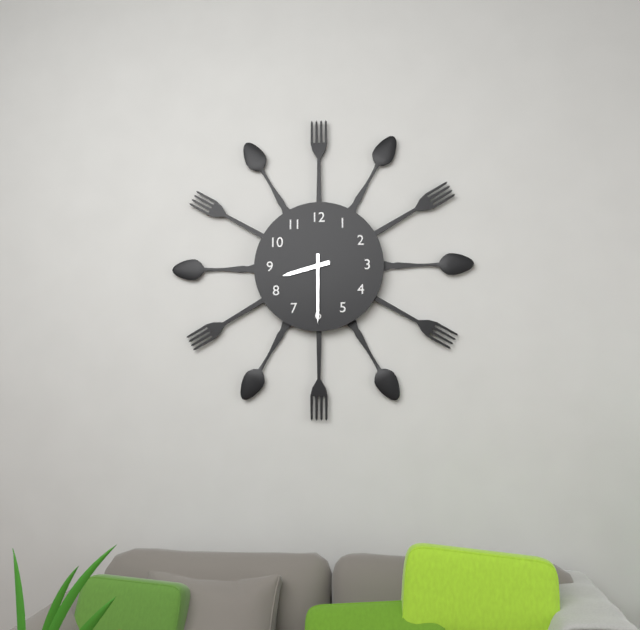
8:30
